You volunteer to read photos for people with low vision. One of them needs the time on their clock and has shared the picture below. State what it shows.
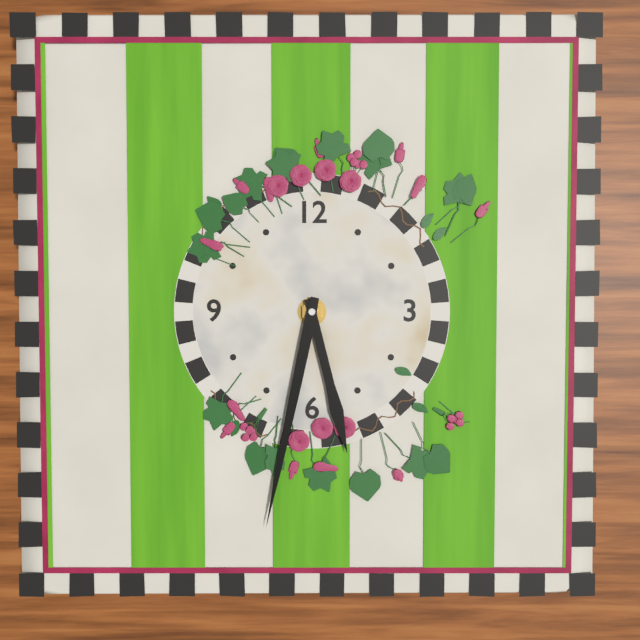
5:32
